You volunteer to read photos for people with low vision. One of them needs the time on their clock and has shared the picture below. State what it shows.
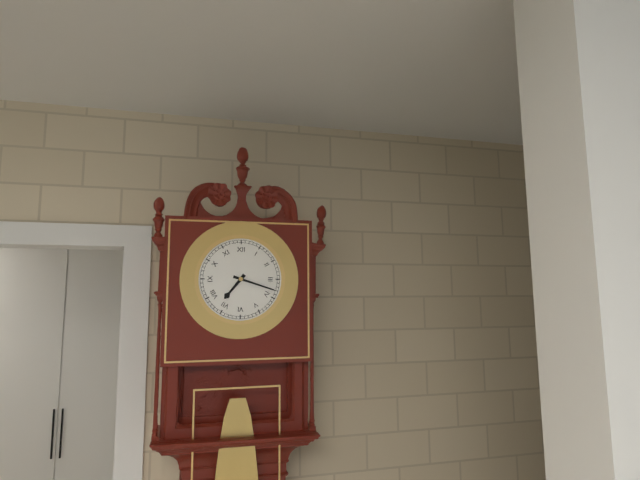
7:18
